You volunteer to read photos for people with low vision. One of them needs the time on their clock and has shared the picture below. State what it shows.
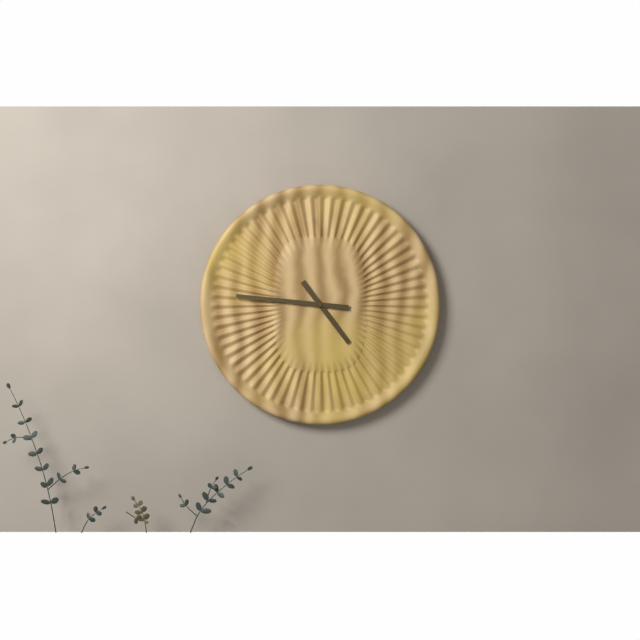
4:46
